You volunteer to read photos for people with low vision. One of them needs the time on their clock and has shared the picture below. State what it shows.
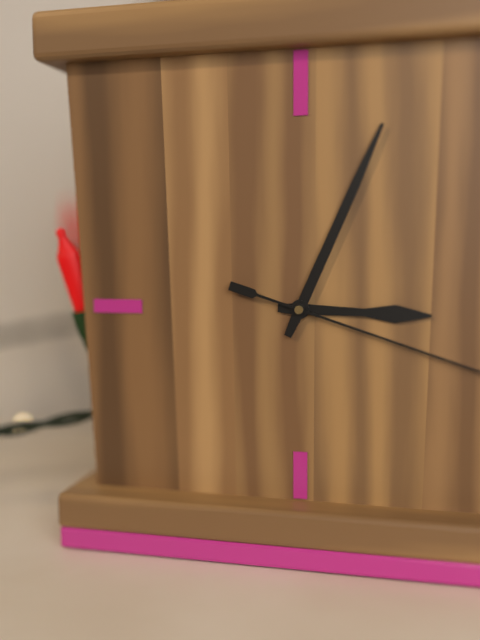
3:04
